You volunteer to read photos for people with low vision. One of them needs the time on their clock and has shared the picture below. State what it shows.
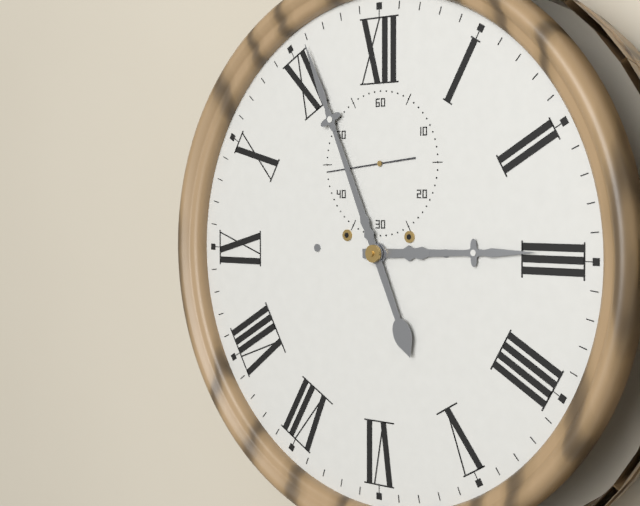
2:56:44
